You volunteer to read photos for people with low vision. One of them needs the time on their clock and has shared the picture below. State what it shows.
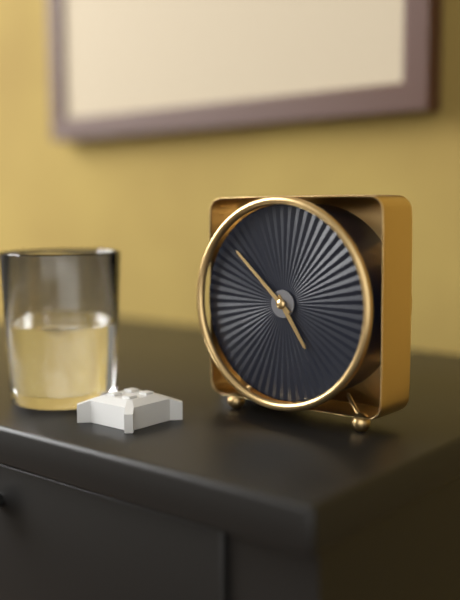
4:52
